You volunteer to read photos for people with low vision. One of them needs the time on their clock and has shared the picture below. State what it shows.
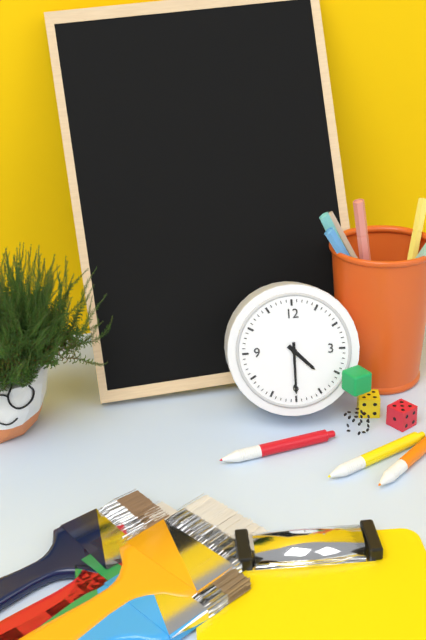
4:30
